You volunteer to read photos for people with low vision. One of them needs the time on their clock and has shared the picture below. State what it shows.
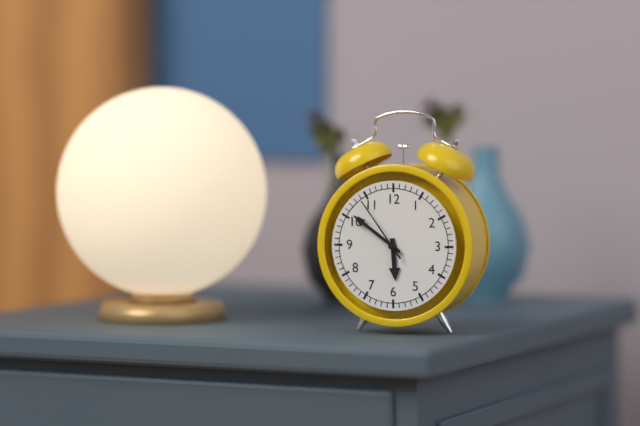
5:51:54
